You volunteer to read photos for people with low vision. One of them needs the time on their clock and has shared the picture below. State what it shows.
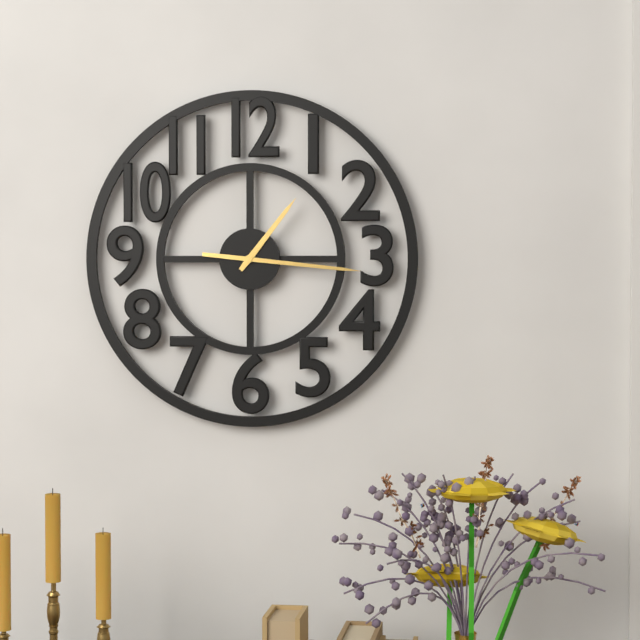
1:16
